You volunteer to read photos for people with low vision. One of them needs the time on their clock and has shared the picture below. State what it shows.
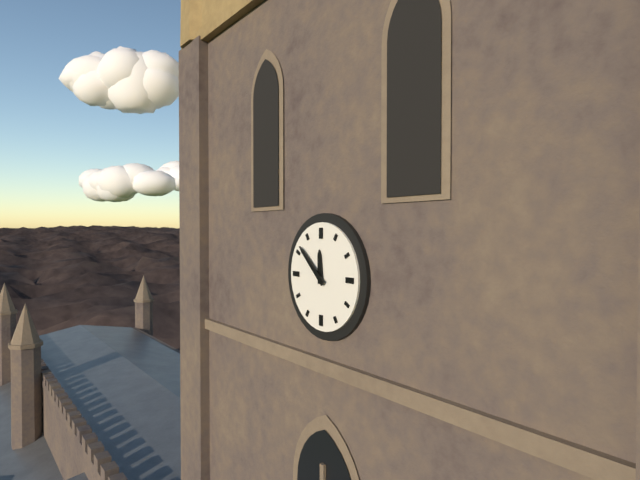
11:52
